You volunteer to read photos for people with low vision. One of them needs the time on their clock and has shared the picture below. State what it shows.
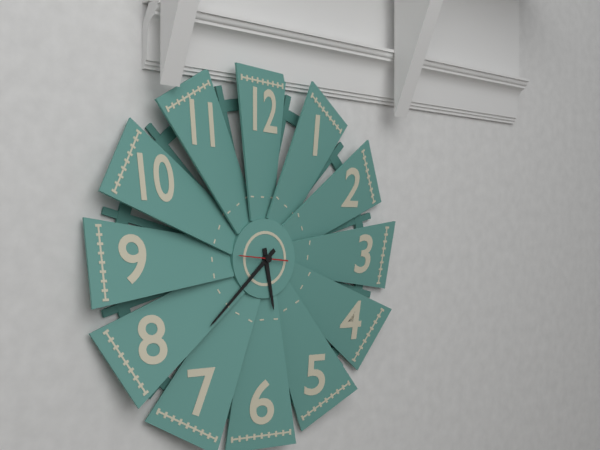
5:38
